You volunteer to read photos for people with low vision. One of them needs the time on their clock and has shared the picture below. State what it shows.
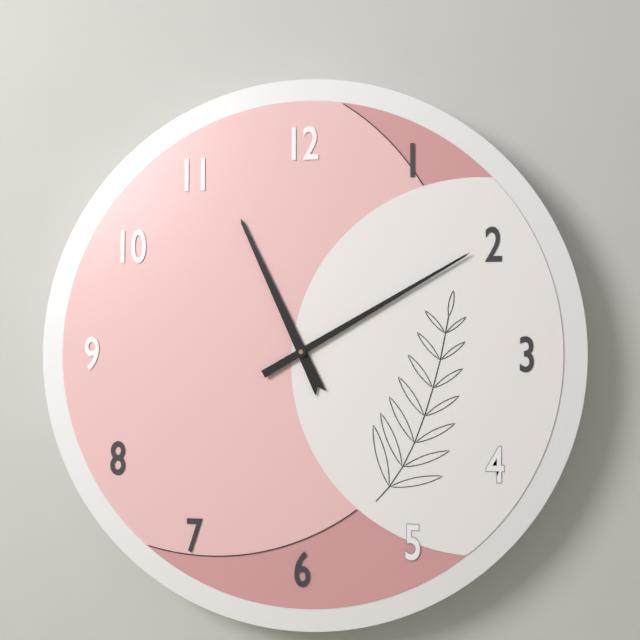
11:10
